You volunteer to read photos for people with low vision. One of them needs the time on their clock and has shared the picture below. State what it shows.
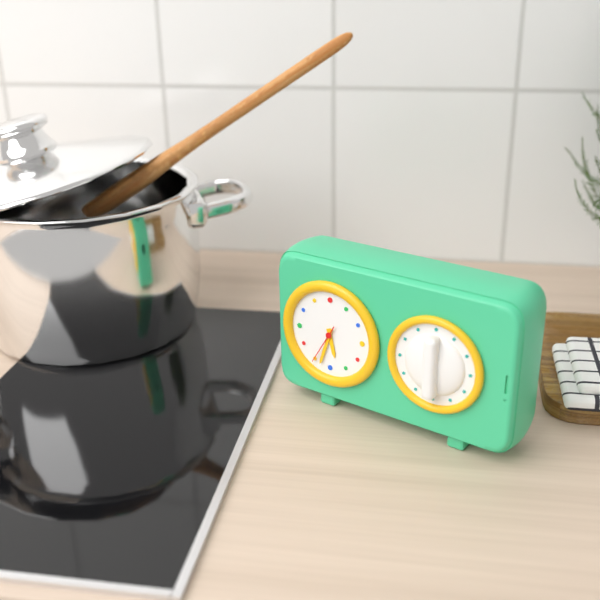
5:33
